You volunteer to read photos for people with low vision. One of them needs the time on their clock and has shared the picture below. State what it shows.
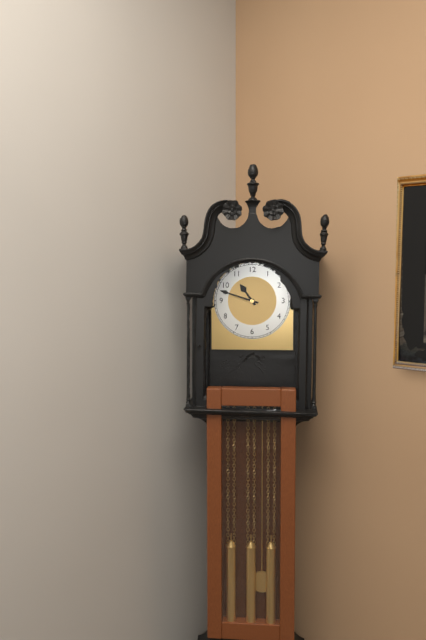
10:48
